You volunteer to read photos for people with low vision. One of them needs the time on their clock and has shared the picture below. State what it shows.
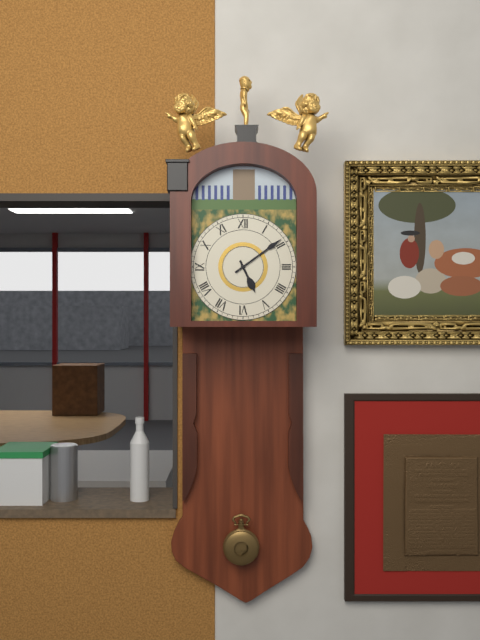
5:09
